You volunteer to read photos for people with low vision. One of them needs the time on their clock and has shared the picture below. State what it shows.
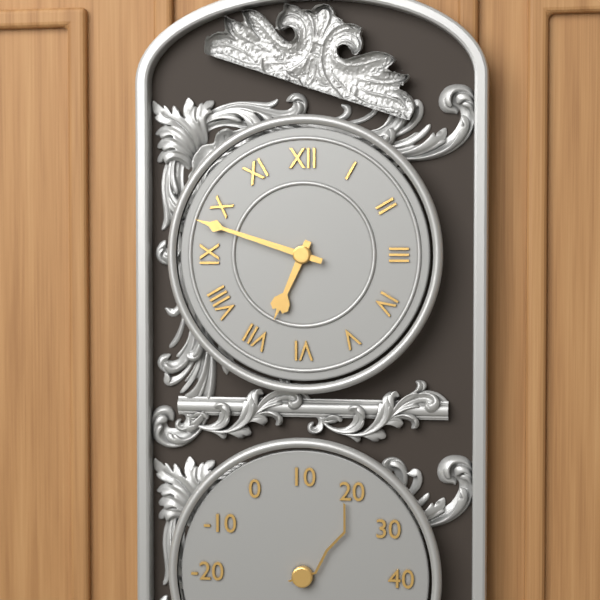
6:48
